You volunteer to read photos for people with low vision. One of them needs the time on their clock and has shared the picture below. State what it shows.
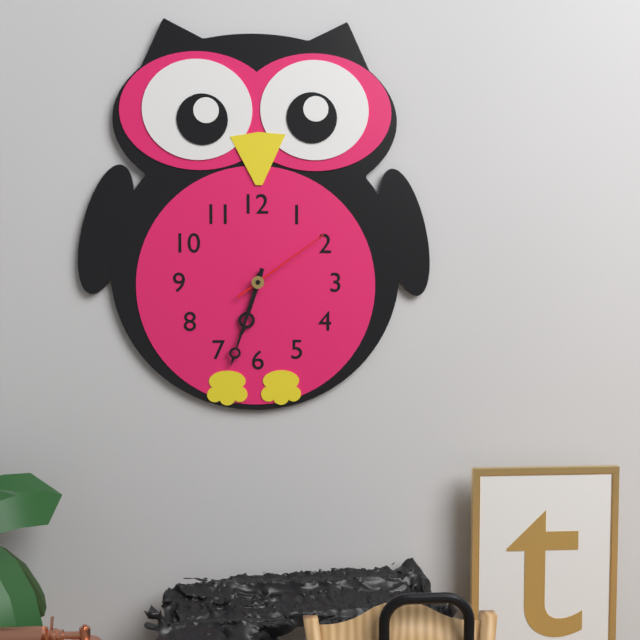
6:33:09
